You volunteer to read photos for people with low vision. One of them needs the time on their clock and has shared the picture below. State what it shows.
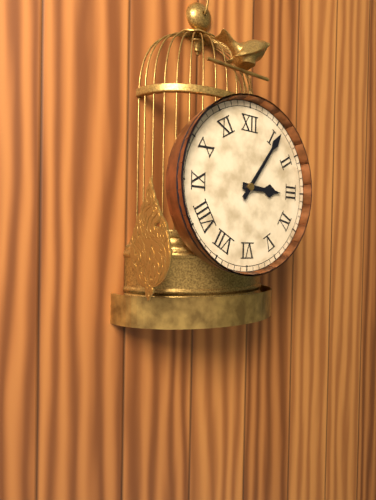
3:06
